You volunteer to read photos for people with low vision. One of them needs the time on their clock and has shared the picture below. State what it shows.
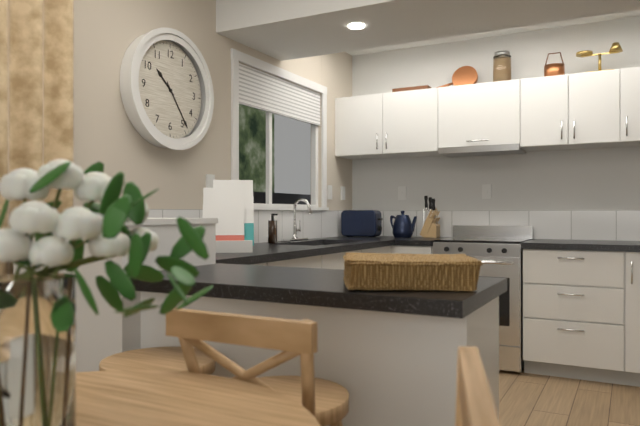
10:24
